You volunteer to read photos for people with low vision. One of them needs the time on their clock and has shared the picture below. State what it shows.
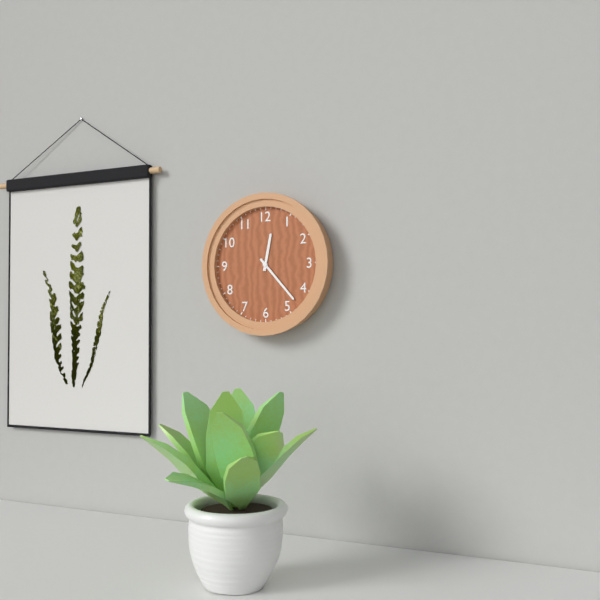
12:23
